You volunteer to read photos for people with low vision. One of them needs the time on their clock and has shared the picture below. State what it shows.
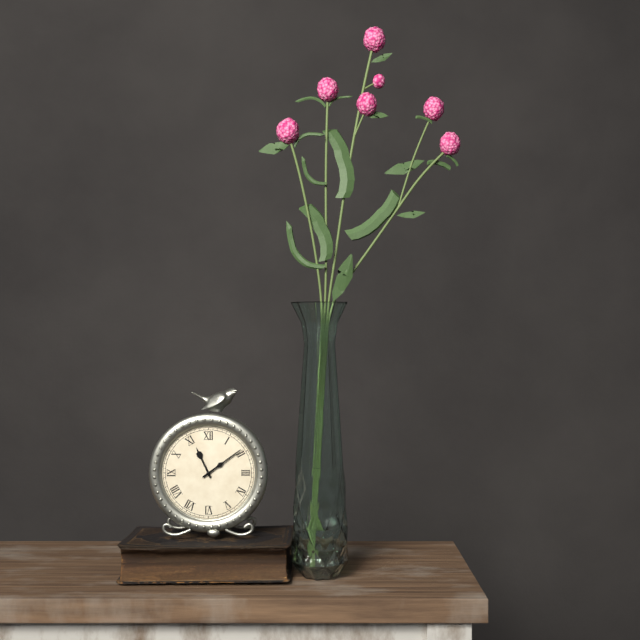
11:09
